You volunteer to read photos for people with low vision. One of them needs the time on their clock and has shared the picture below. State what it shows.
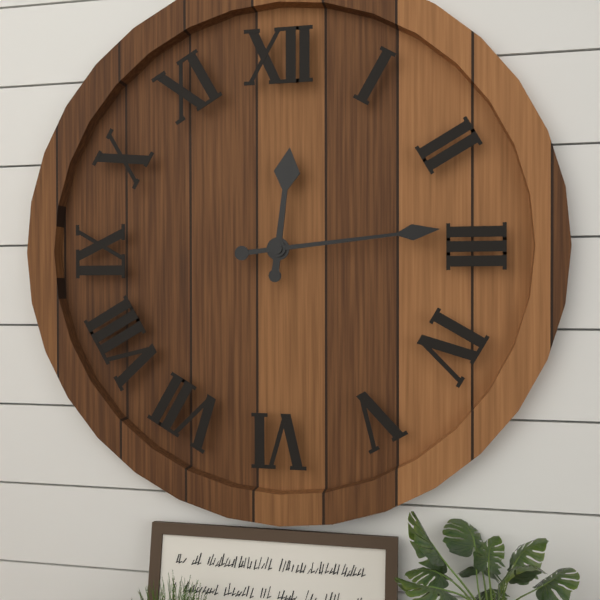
12:14
